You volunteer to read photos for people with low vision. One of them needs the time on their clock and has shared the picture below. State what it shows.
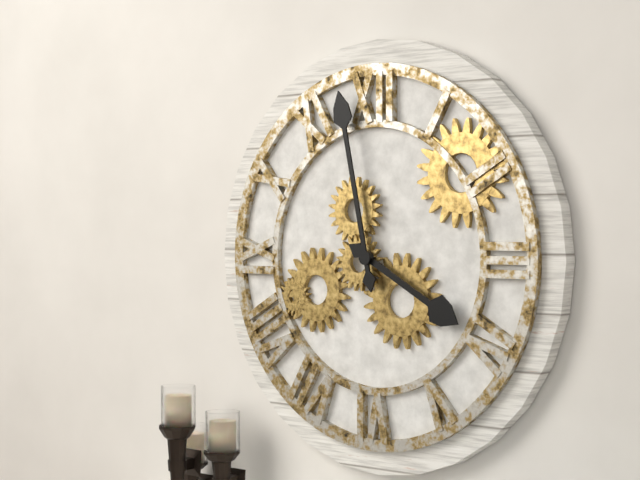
3:58
